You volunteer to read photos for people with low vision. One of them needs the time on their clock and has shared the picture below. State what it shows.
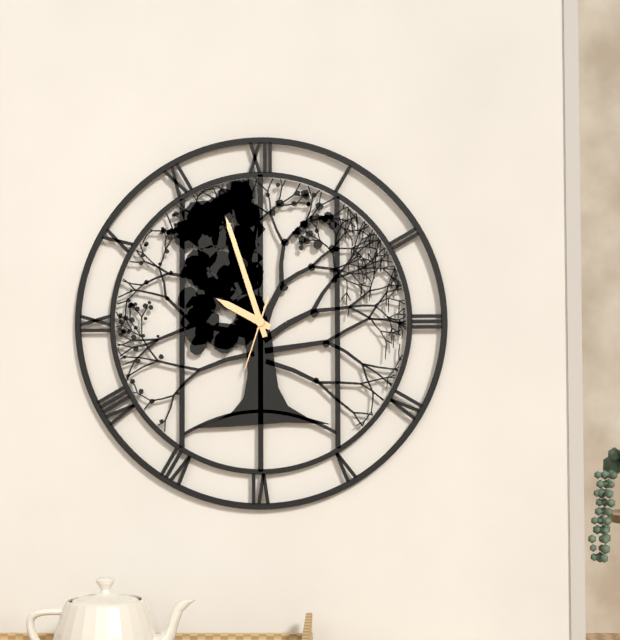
9:57:33
